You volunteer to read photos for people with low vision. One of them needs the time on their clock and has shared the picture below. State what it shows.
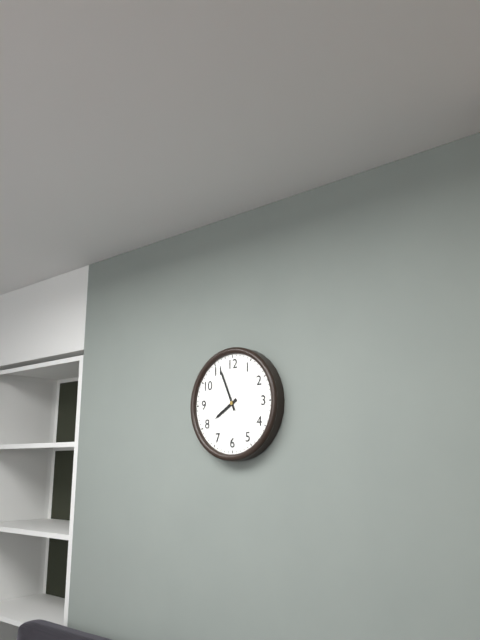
7:56
